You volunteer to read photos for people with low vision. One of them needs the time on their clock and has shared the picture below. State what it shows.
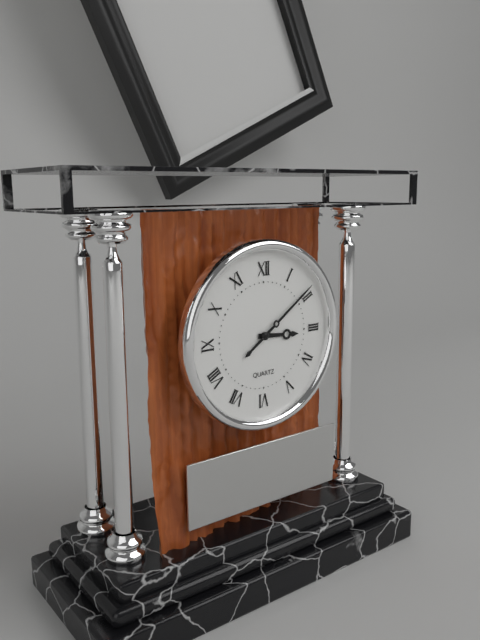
3:09
